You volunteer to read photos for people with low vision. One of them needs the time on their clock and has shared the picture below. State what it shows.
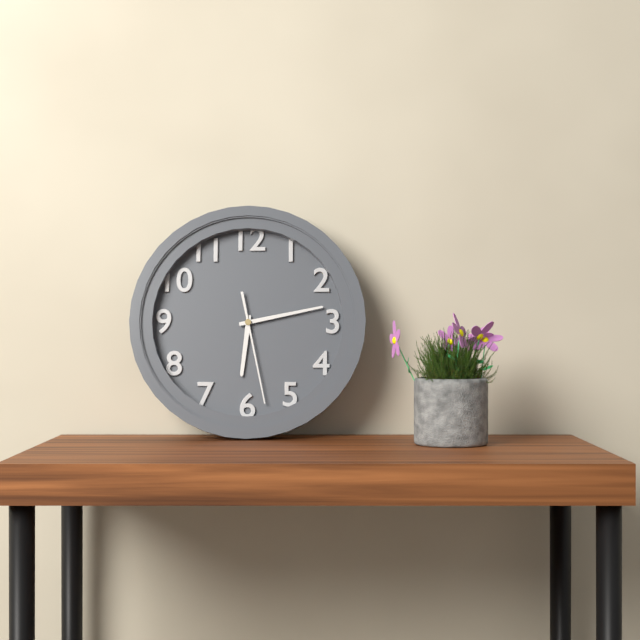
6:13:28
